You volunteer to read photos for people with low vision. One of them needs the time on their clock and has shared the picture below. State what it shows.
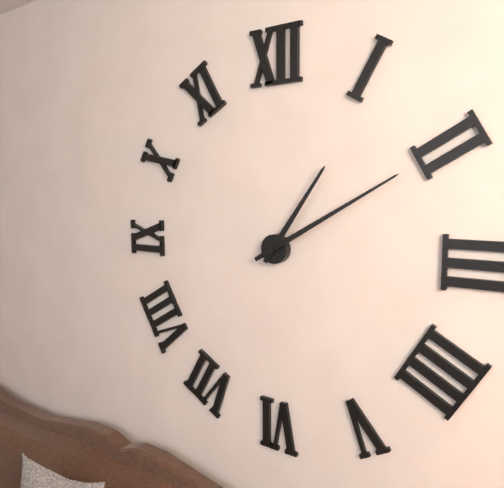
1:10
